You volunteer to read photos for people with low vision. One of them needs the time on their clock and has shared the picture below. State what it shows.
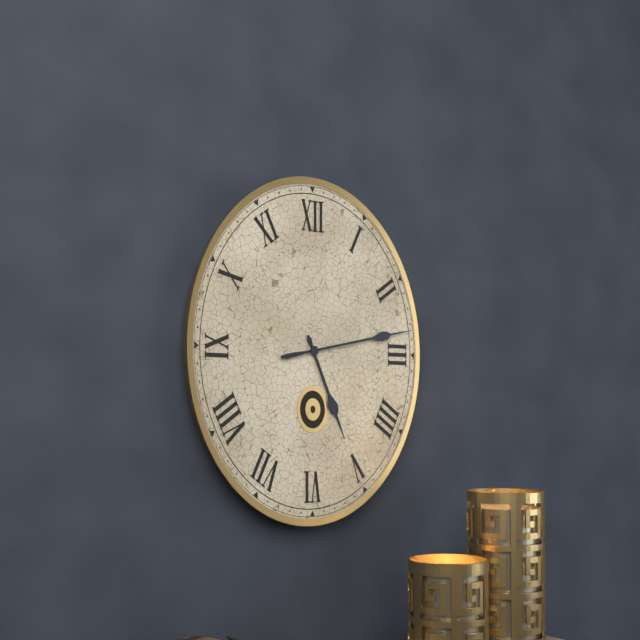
5:13
